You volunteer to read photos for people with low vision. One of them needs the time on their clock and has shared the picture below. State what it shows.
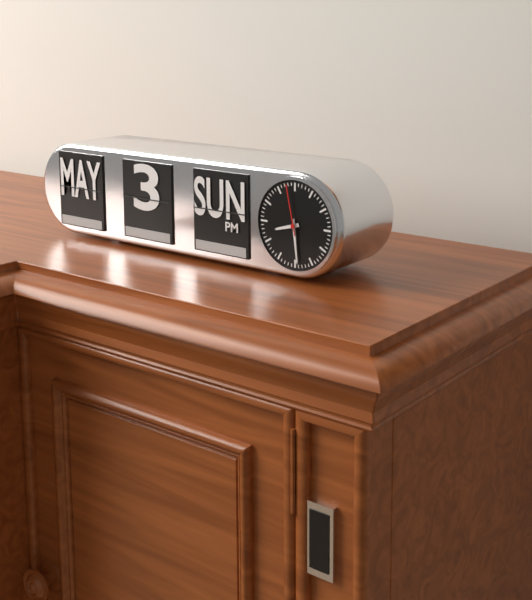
8:29:58
